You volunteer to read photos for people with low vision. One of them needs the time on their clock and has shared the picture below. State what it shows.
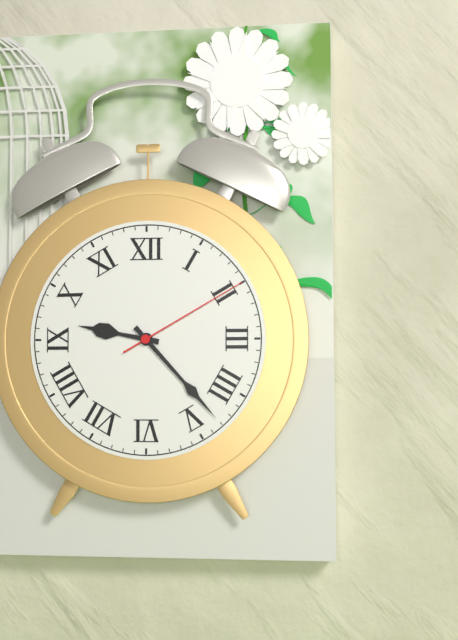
9:23:10
